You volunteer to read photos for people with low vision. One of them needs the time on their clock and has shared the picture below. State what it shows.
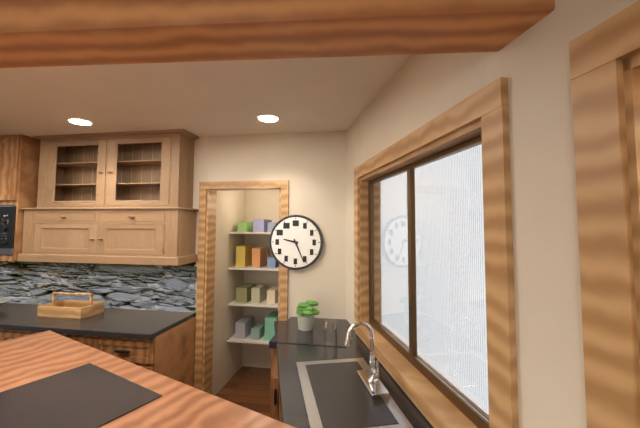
9:26
